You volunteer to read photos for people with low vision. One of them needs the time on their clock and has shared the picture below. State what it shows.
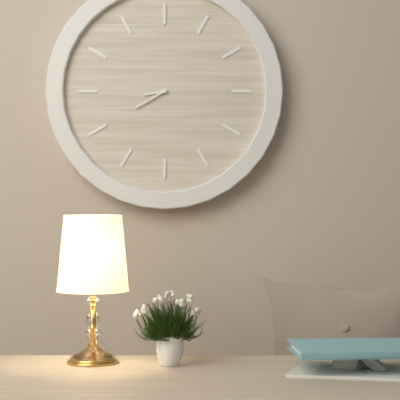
8:40
